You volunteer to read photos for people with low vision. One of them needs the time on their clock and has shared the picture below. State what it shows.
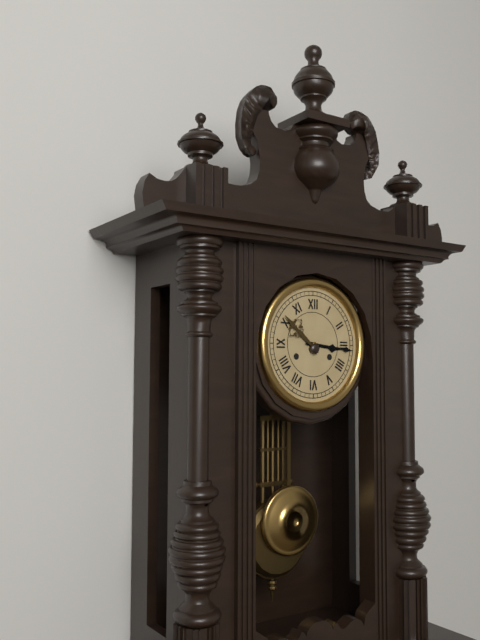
3:16
